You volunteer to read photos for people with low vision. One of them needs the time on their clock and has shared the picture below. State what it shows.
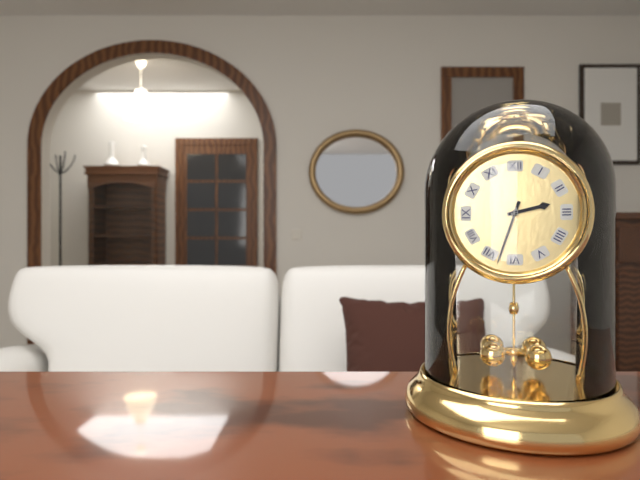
2:33
